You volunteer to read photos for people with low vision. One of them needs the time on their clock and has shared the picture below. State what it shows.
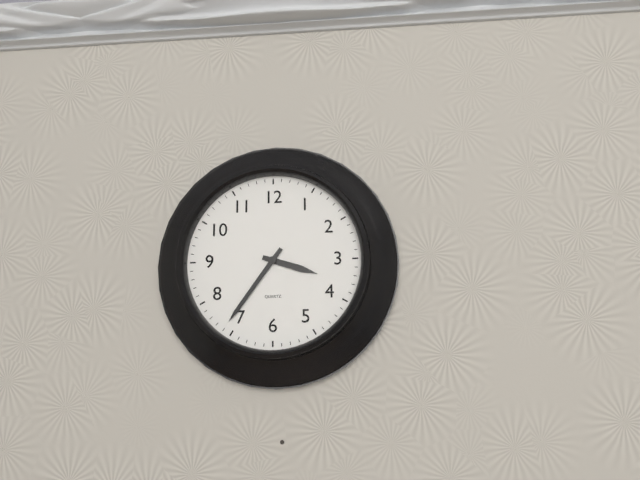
3:36
